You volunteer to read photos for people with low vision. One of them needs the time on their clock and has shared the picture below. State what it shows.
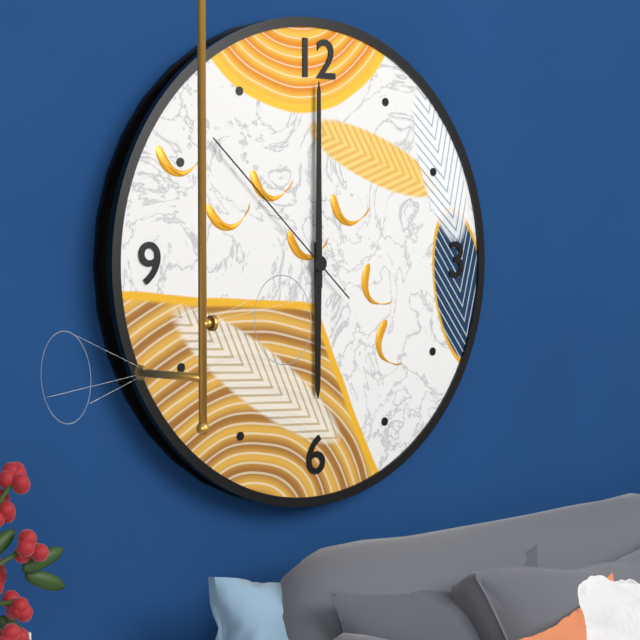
6:00:52
